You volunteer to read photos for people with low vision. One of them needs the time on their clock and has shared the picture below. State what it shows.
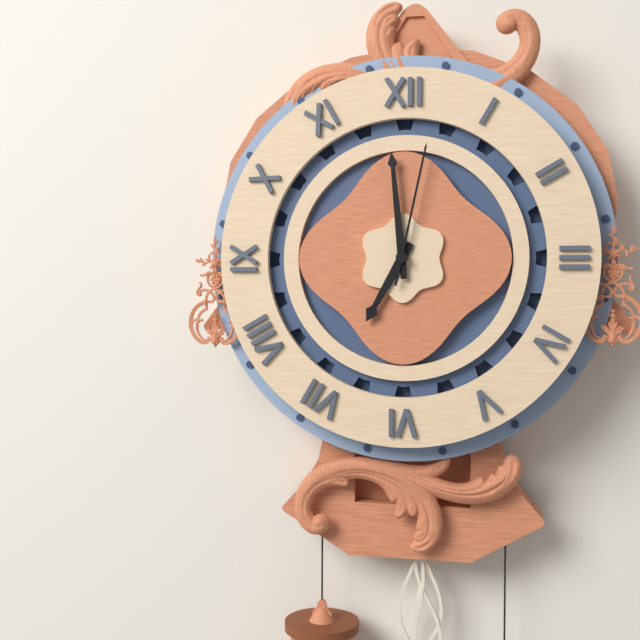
6:59:02
